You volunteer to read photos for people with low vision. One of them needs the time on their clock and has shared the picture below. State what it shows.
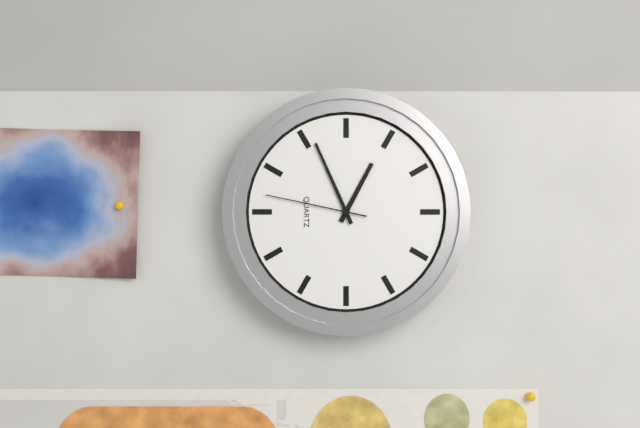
12:56:47
